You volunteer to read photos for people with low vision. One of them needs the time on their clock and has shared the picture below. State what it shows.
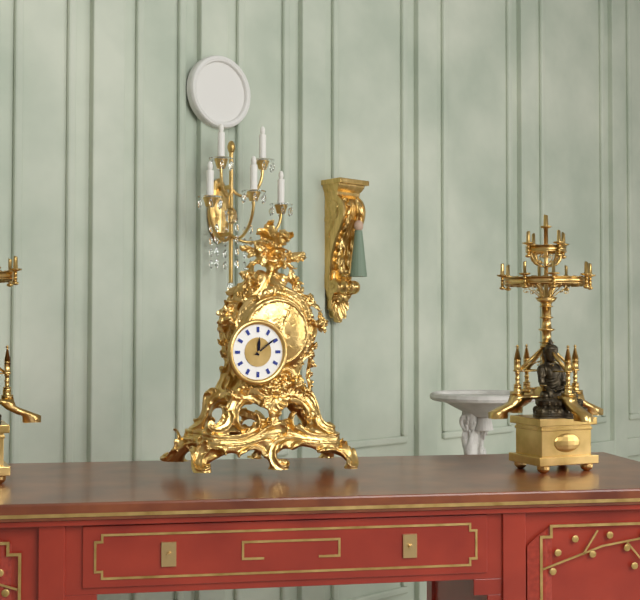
12:09
